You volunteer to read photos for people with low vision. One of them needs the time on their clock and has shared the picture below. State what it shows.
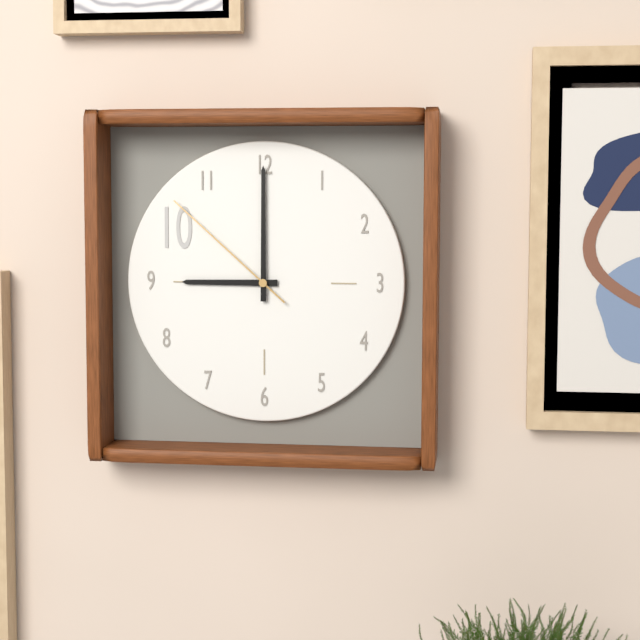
9:00:52
